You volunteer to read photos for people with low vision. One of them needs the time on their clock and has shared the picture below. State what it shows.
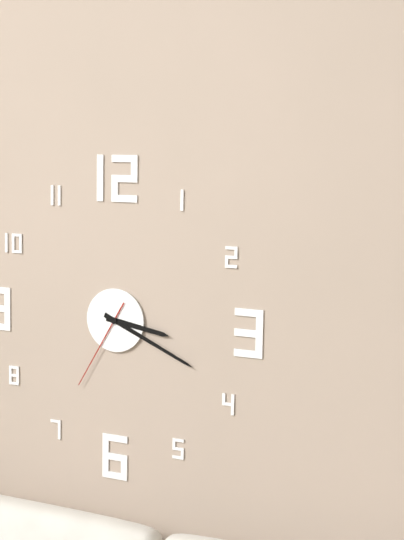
3:19:35
